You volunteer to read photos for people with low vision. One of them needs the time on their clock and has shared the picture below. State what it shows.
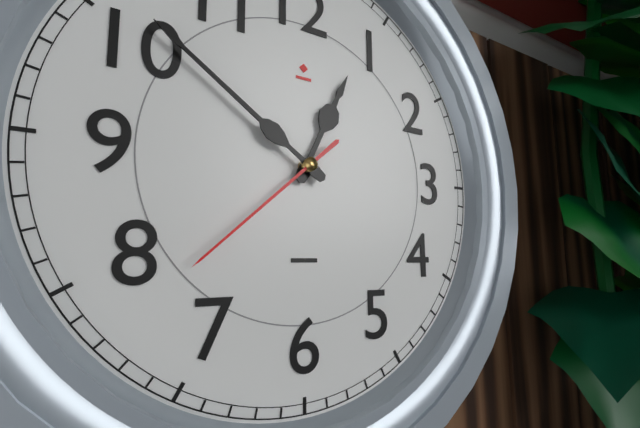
12:51:38
